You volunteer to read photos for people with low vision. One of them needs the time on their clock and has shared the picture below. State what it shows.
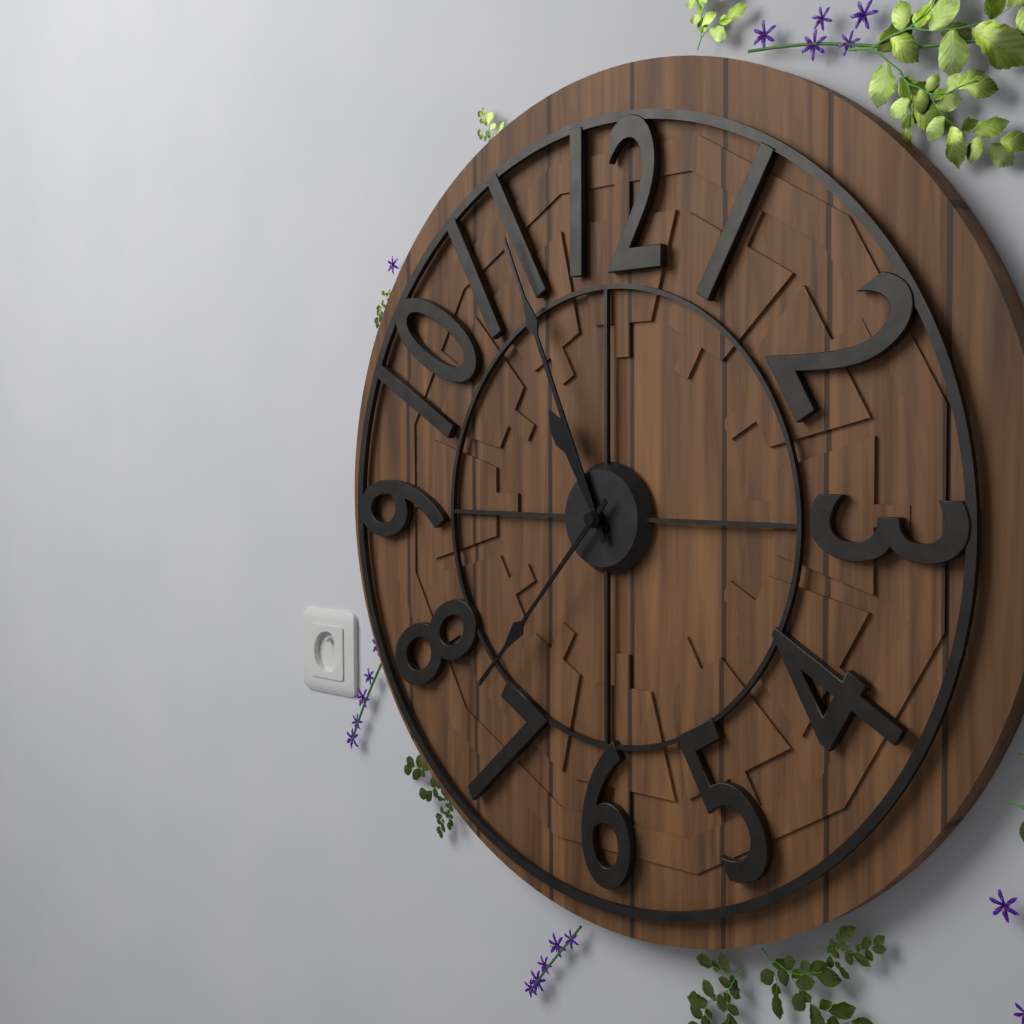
10:56:37
